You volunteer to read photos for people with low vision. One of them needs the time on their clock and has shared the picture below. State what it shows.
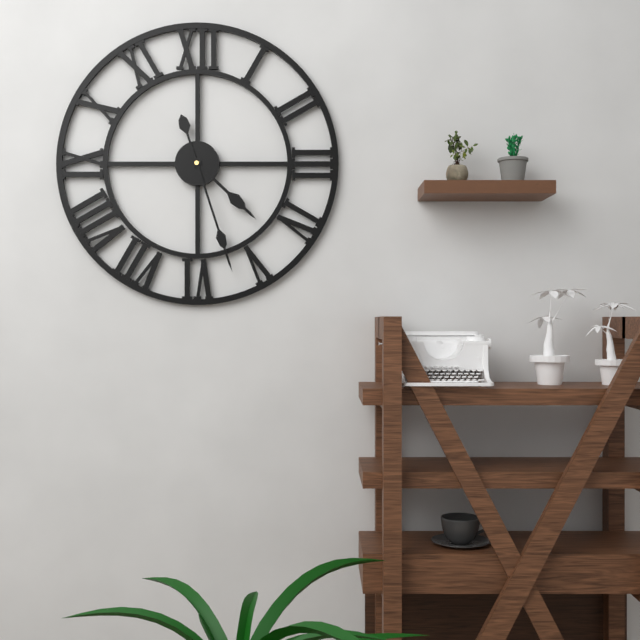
4:27
